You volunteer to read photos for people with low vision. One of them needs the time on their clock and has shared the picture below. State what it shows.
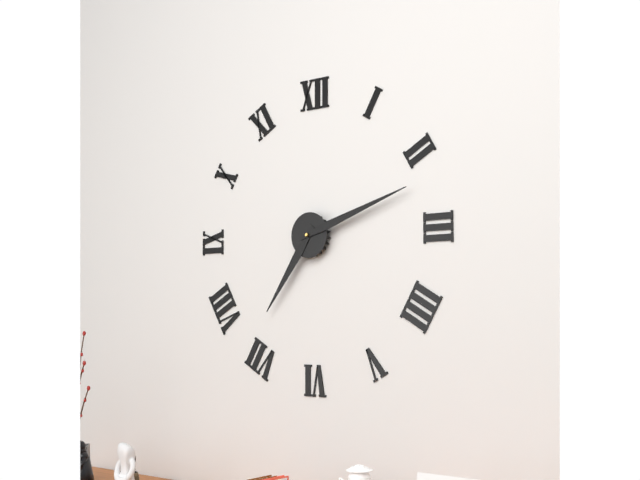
7:12
